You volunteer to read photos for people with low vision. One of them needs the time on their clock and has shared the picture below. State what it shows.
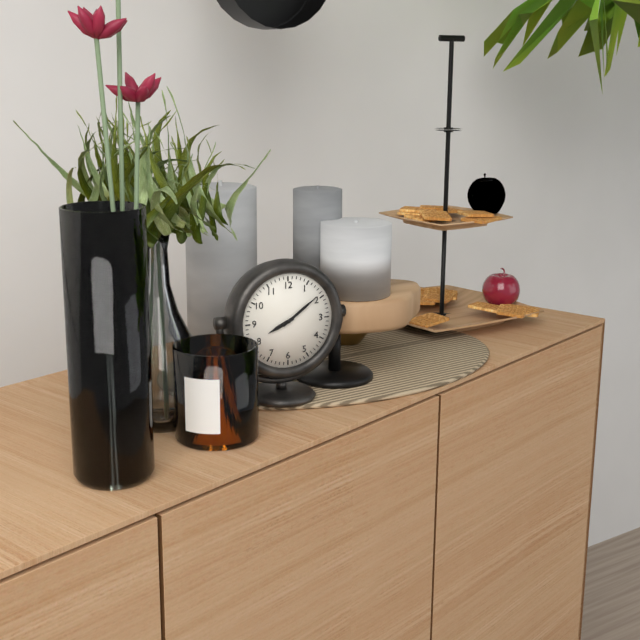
8:09
